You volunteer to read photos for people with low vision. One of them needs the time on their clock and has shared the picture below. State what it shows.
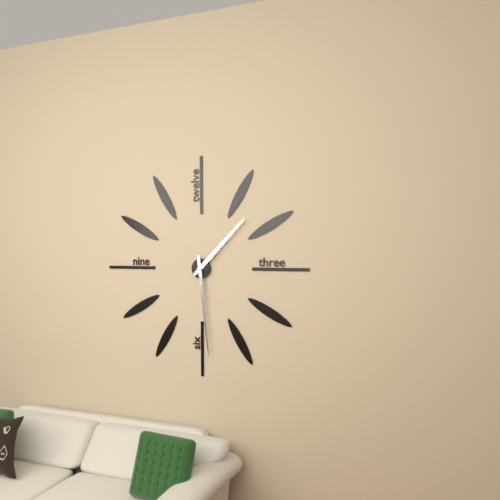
1:29
